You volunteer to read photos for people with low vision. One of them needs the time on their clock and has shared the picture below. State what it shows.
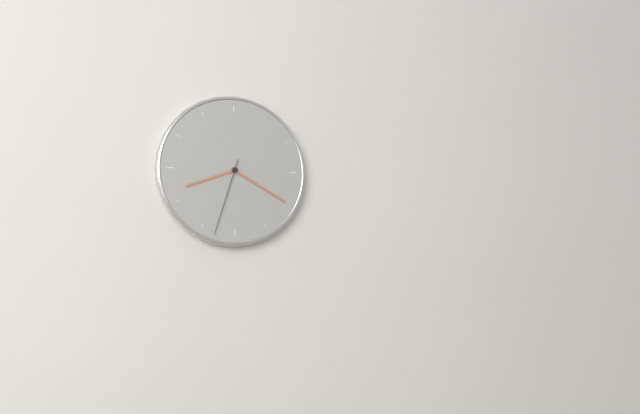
8:20:33
